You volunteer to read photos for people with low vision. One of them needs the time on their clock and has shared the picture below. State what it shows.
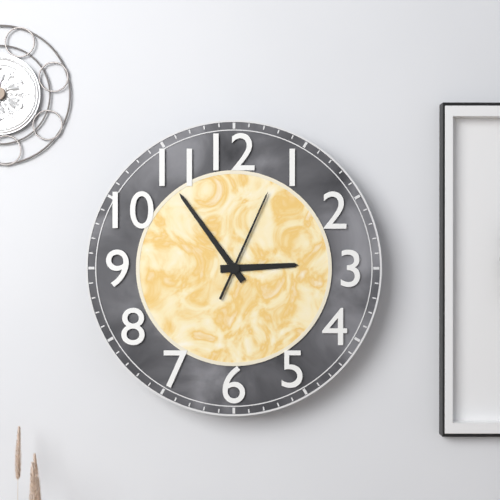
2:54:04
